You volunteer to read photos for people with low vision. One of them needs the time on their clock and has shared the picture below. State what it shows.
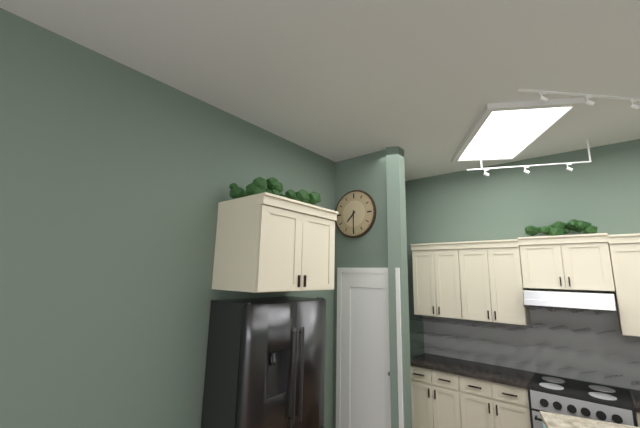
7:30
